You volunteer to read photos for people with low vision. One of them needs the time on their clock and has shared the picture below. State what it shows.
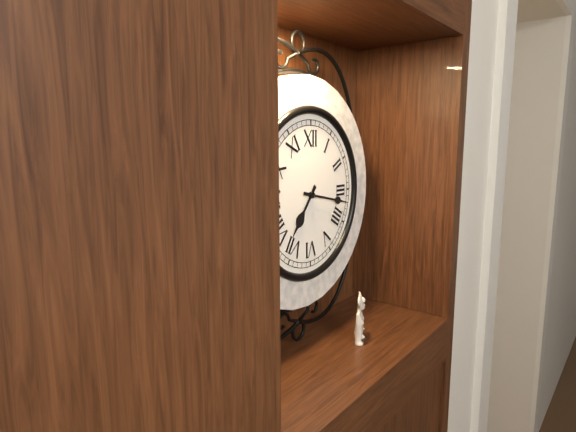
7:17
